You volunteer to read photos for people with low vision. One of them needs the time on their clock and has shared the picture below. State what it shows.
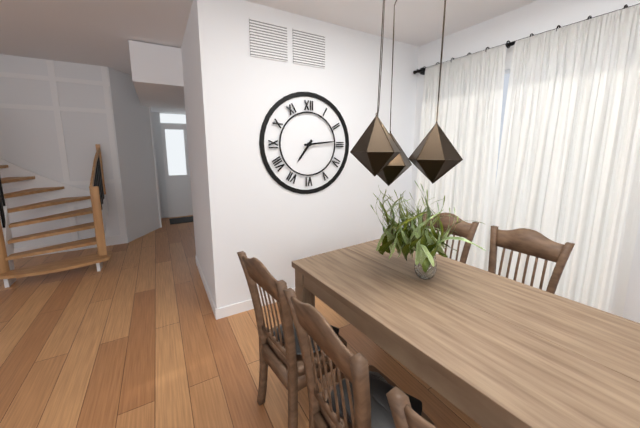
7:14
